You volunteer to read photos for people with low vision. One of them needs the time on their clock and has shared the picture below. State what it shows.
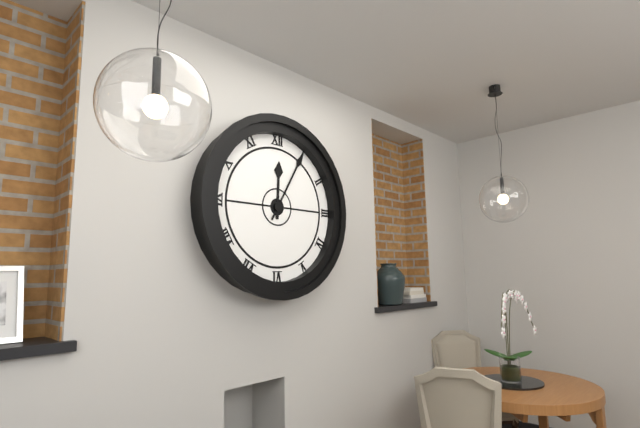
12:05
